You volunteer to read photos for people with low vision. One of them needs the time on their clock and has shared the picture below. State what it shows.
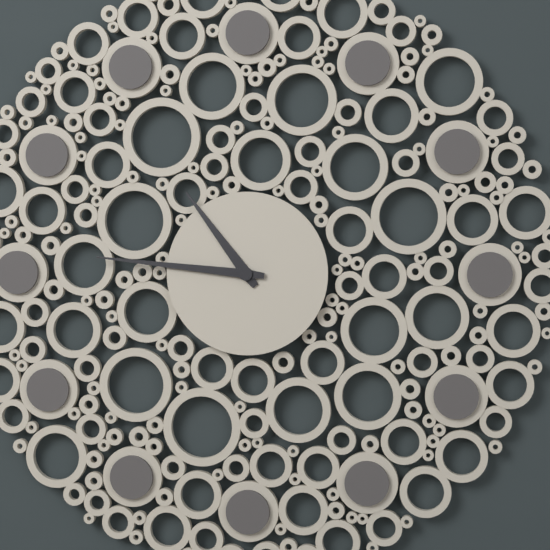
10:46
